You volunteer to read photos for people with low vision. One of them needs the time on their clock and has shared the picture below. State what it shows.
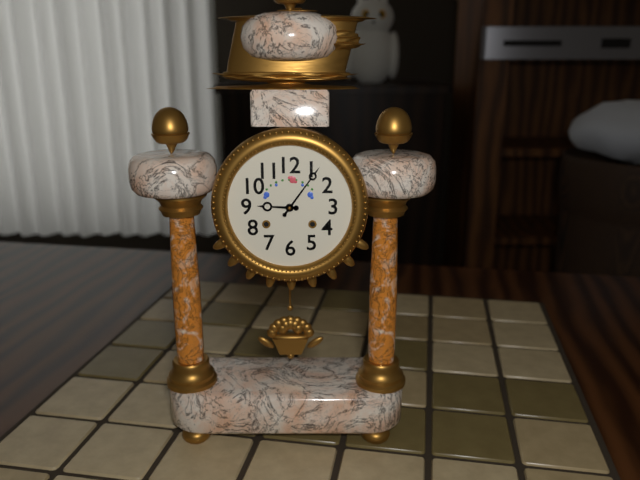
9:06
